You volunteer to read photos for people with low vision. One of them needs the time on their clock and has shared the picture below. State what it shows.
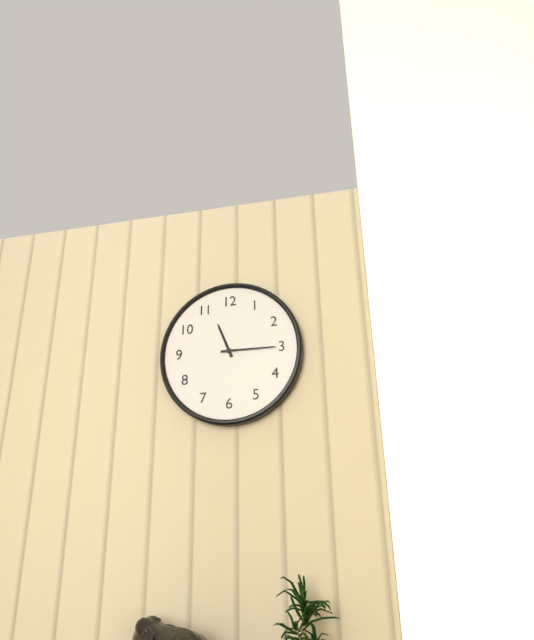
11:15
